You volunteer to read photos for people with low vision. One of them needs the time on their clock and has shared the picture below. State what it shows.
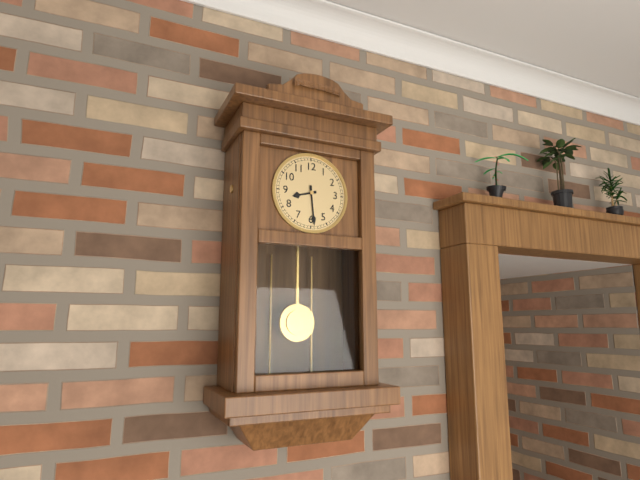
8:29
